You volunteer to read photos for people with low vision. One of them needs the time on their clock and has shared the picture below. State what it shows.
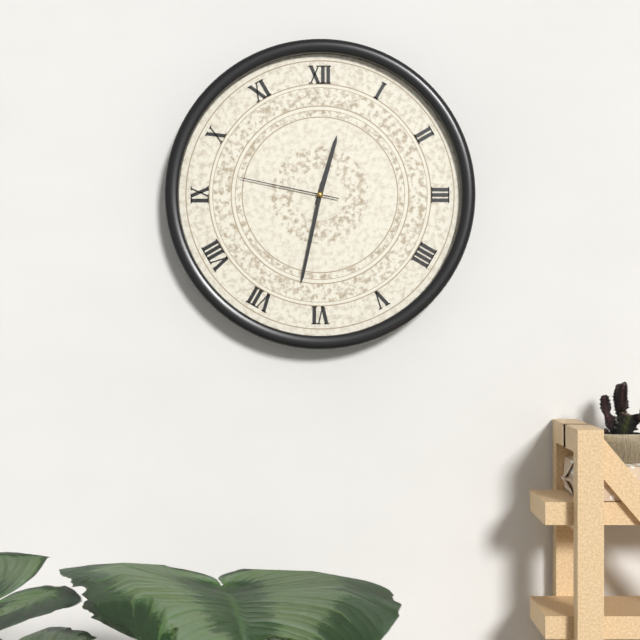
12:32:47
